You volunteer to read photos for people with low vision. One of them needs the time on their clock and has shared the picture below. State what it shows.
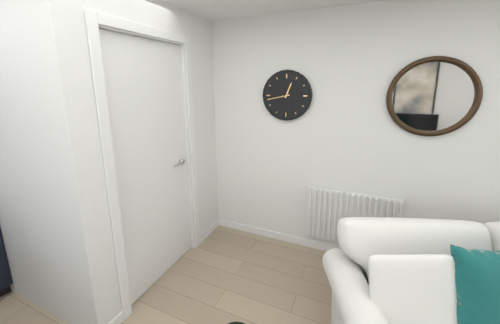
12:43
